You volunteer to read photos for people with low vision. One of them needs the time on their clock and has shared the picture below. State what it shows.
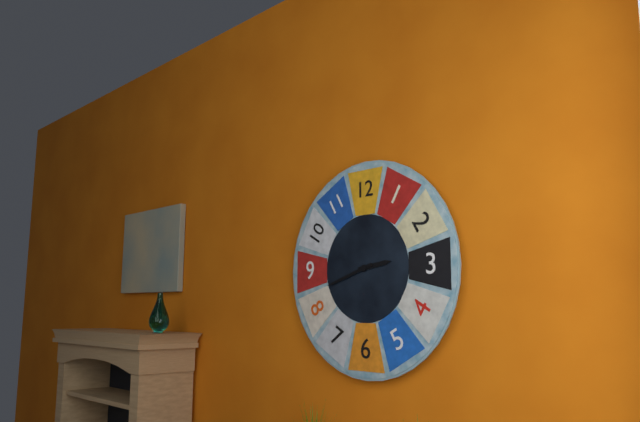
2:42
